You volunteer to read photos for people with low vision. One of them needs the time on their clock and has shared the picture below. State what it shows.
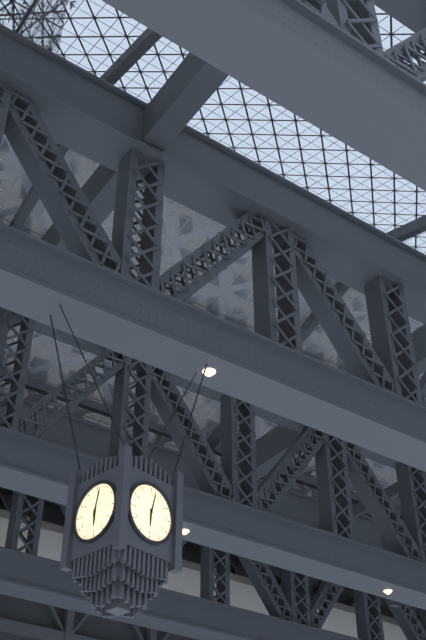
6:02
